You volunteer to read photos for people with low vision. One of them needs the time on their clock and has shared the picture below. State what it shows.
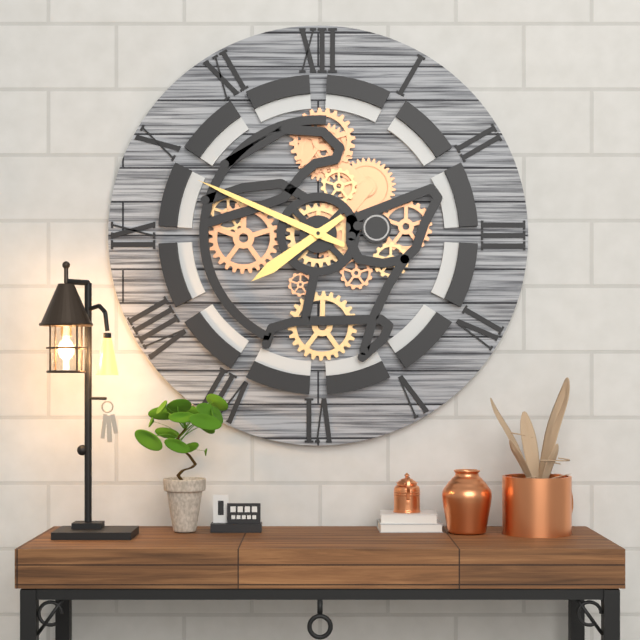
7:49
